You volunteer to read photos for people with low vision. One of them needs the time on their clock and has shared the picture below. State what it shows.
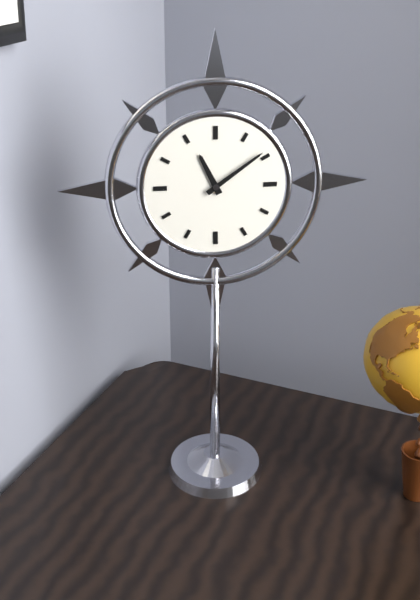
11:09
